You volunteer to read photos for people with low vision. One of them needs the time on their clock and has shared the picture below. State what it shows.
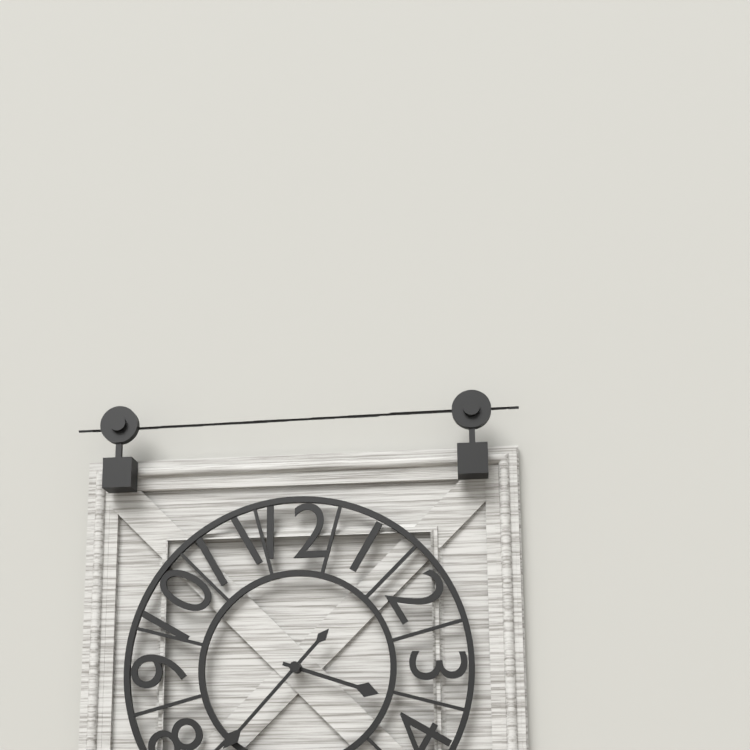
3:37
